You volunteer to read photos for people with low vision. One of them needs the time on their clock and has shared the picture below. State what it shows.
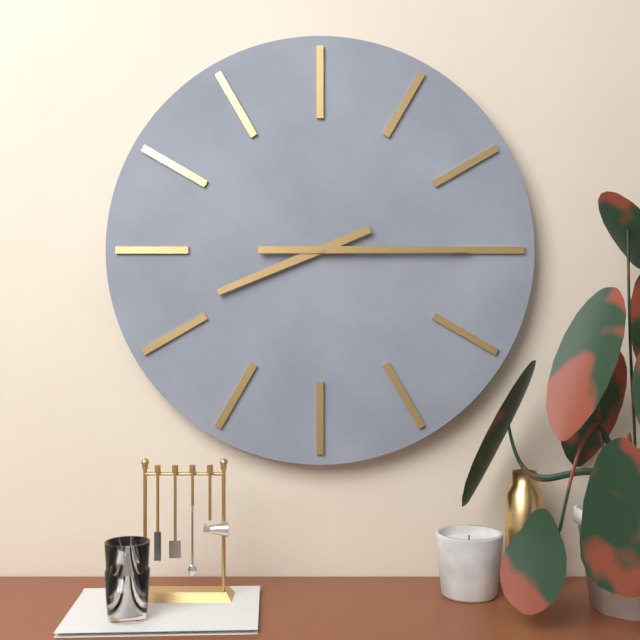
8:15
